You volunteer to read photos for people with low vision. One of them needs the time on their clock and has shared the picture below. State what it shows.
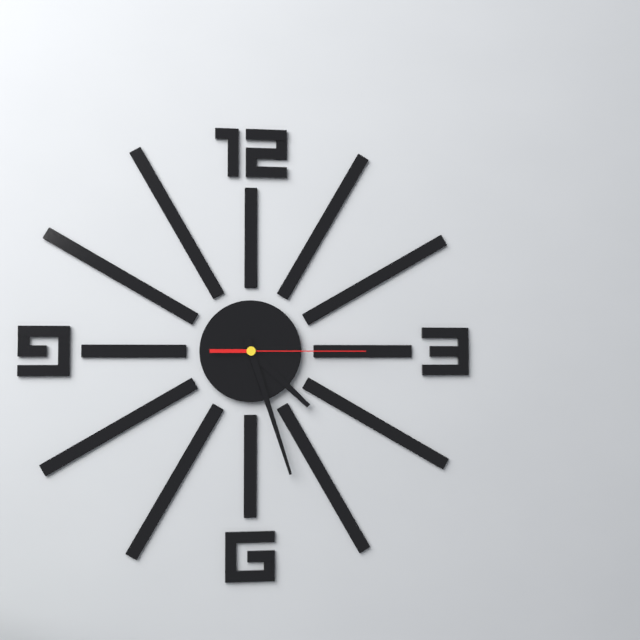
4:27:15
